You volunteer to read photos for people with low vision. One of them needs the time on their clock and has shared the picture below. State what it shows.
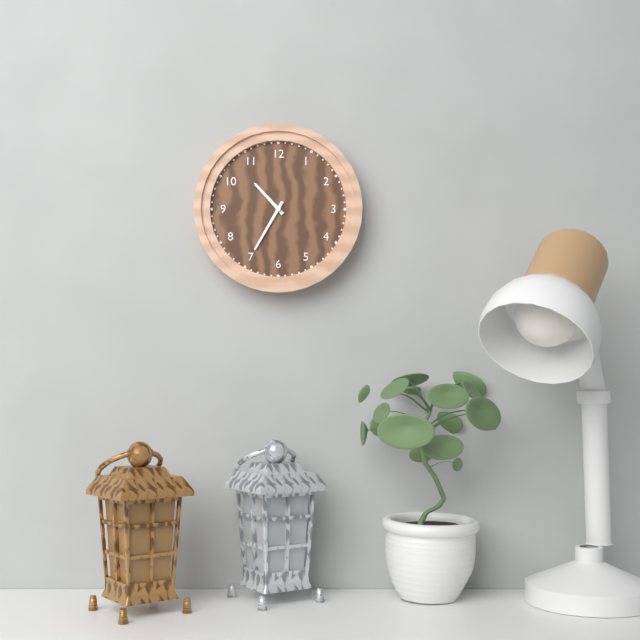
10:35
